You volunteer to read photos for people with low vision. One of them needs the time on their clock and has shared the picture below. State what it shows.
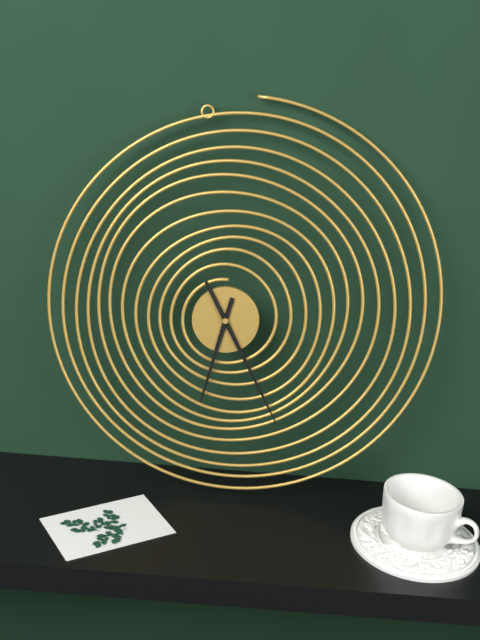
6:25
